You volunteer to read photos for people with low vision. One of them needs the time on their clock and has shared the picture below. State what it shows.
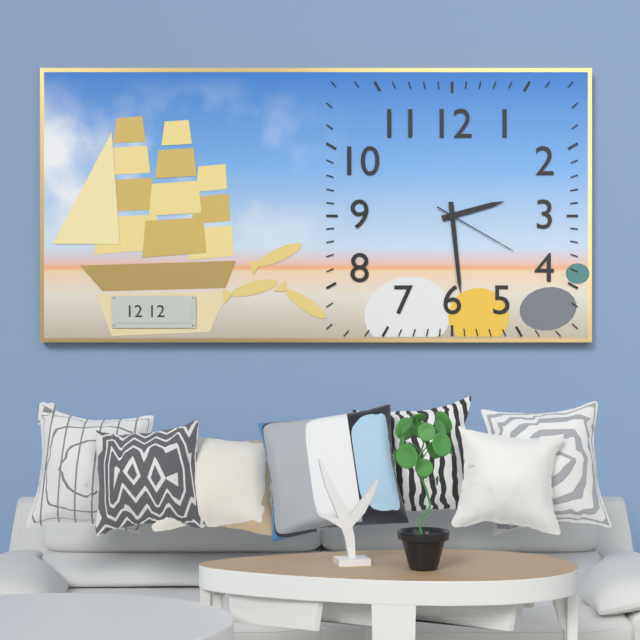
2:29:20
